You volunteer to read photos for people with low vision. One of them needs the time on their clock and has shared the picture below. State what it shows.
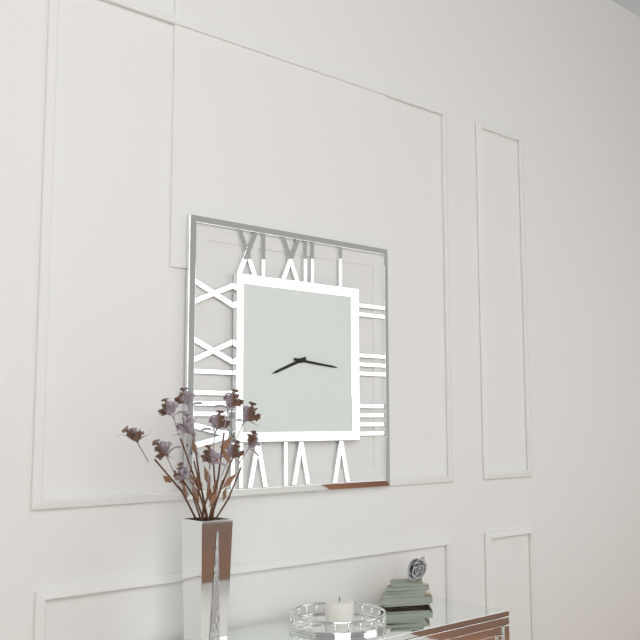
8:16
